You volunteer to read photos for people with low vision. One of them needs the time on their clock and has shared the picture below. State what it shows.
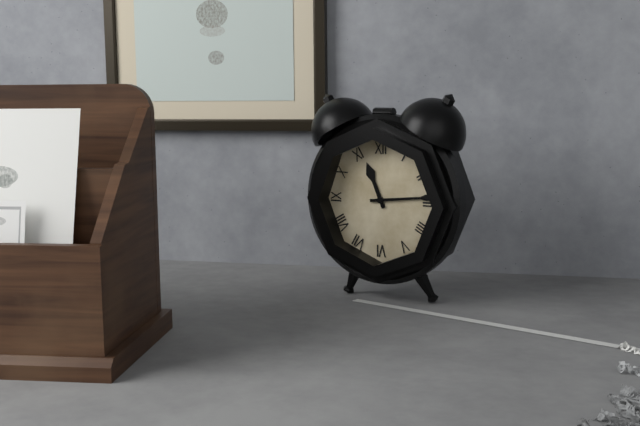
11:14
